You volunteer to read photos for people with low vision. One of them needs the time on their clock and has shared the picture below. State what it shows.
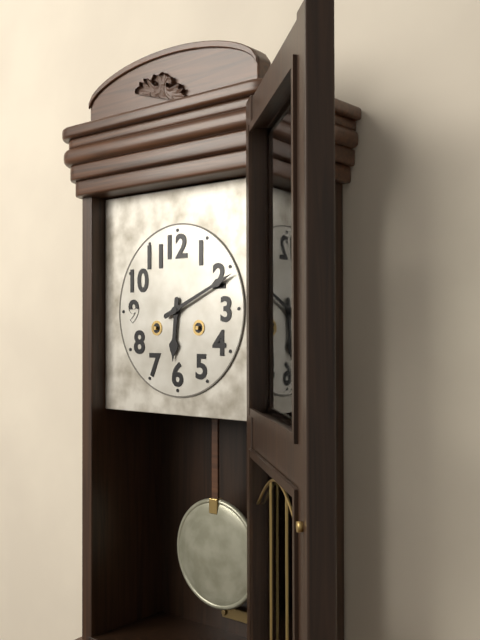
6:11
